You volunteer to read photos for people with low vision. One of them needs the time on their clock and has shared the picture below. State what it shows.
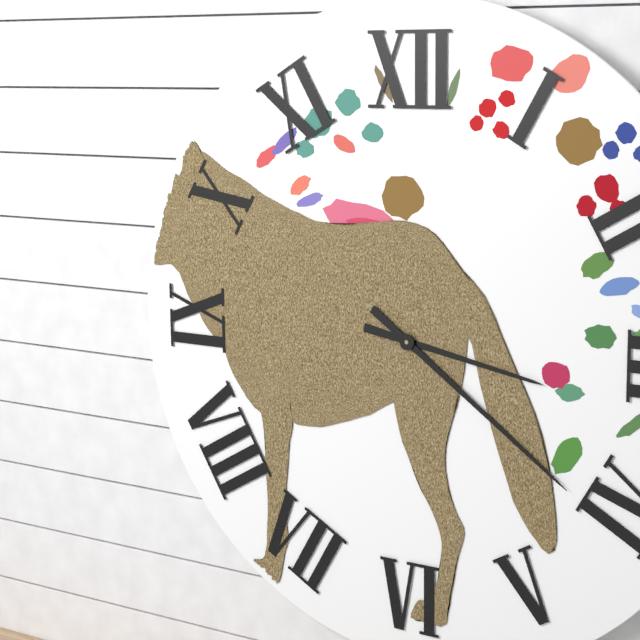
3:21
